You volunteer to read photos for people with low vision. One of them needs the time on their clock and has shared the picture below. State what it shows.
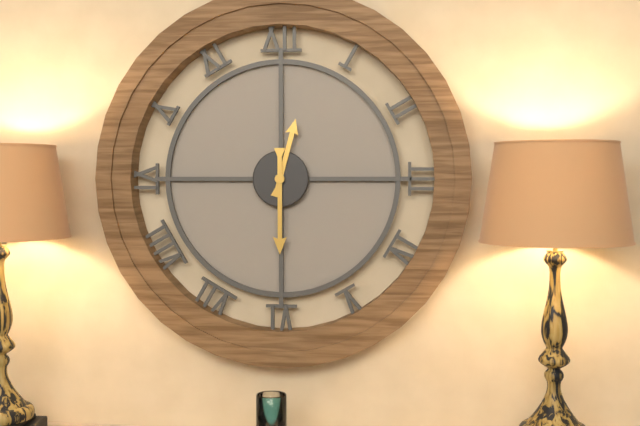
12:30
